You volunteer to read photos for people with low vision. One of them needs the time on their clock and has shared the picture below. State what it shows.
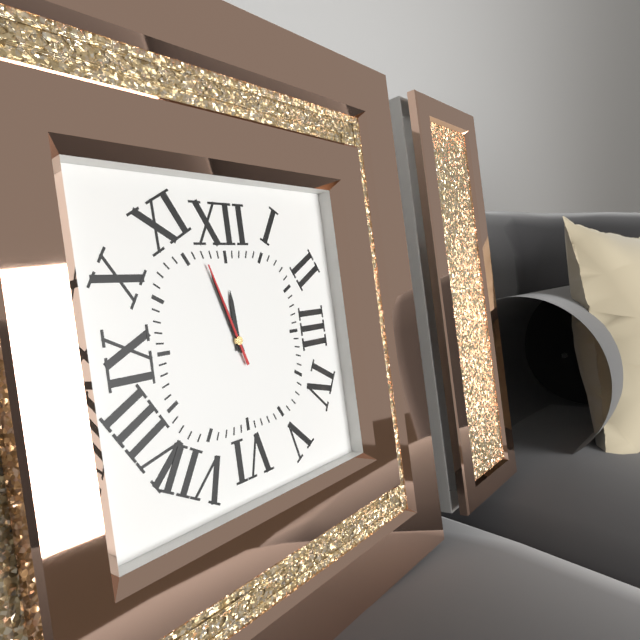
11:57:57
